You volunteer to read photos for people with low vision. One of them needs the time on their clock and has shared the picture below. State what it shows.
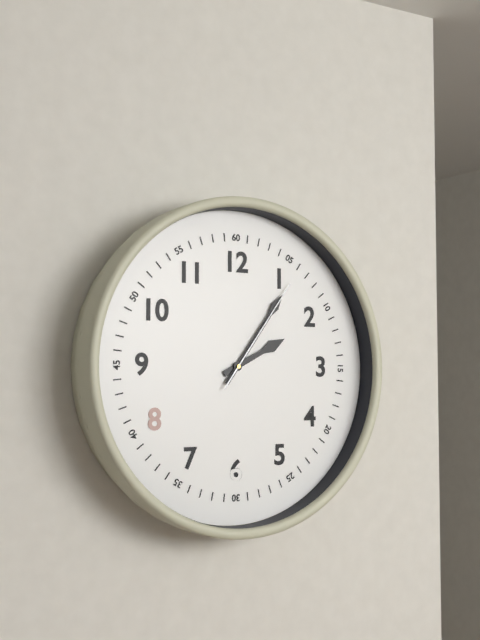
2:06:06
